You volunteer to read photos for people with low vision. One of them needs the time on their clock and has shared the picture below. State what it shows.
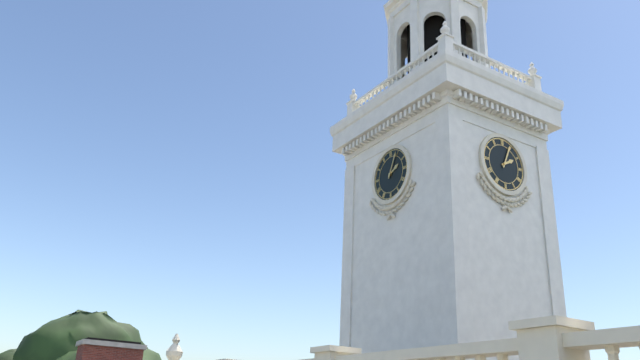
2:04
